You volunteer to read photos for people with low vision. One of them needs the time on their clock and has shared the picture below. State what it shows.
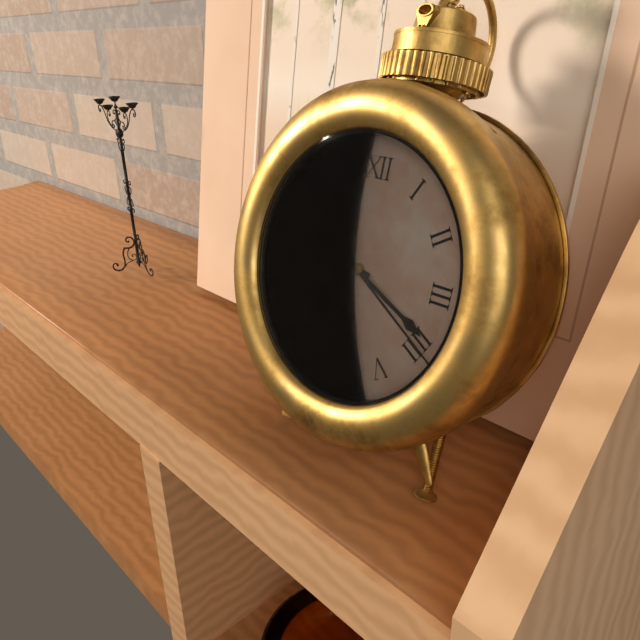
9:19:20
